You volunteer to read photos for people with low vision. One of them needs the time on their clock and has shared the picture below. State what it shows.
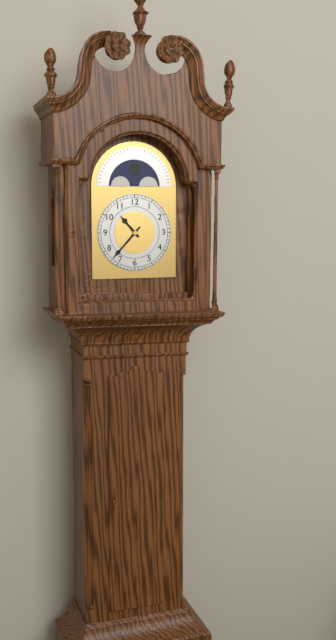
10:37
